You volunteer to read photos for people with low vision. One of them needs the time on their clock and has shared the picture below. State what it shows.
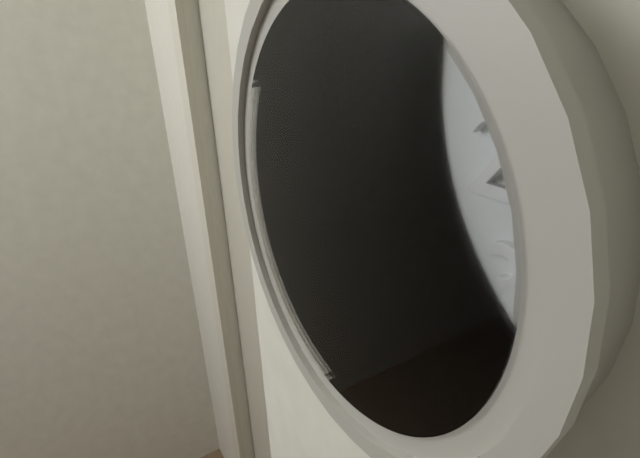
9:38:16
